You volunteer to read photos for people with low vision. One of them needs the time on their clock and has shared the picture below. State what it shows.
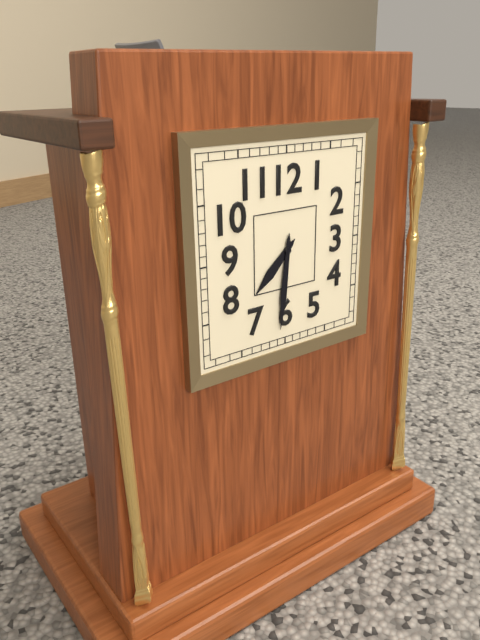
7:31
